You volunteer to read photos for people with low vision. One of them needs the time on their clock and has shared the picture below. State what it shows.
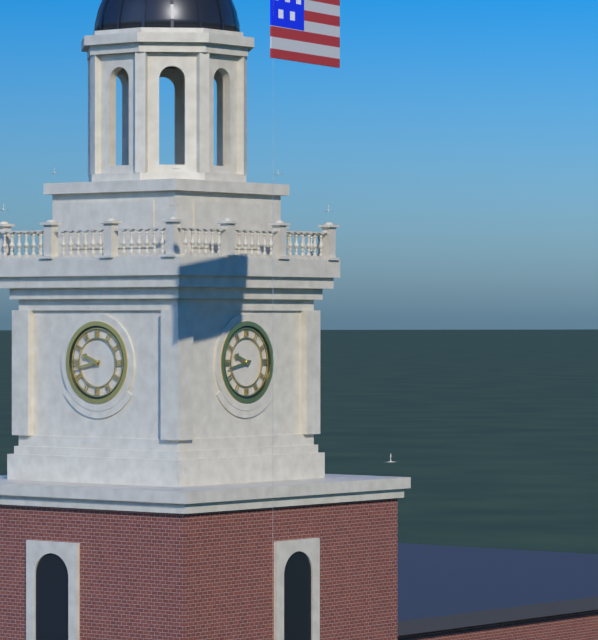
9:43
